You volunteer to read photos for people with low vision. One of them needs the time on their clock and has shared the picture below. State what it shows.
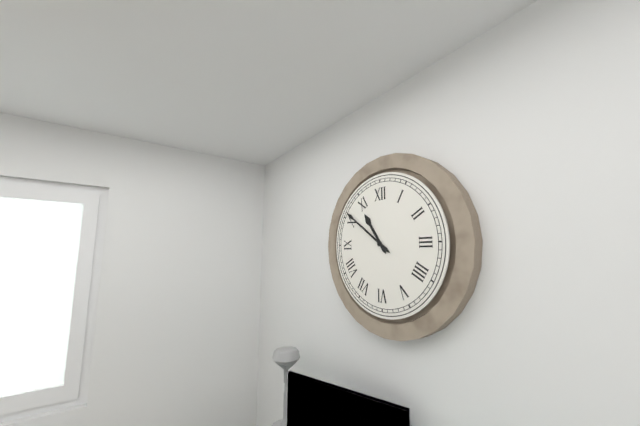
10:51
